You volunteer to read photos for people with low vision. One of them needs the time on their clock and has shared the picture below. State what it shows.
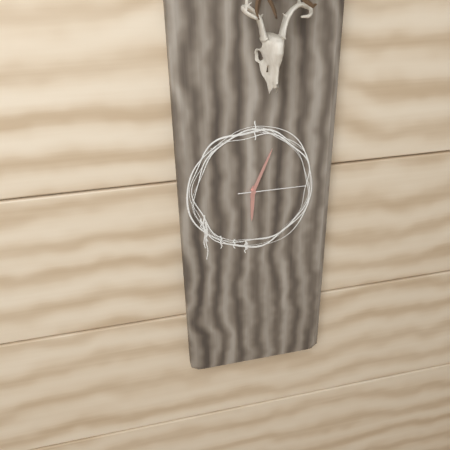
6:04:15
